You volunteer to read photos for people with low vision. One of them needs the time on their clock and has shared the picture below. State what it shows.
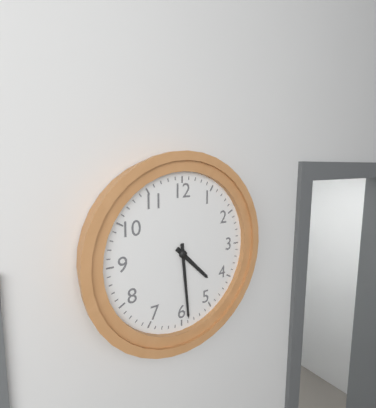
4:29
